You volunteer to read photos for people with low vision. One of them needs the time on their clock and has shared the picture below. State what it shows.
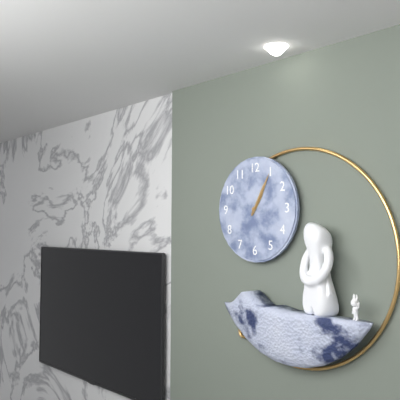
1:05
